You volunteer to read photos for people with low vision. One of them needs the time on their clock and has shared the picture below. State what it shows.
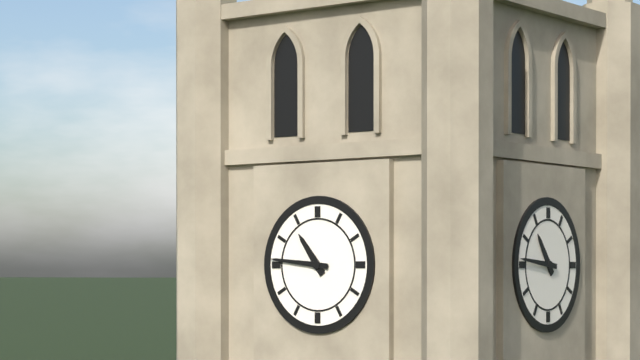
10:46
